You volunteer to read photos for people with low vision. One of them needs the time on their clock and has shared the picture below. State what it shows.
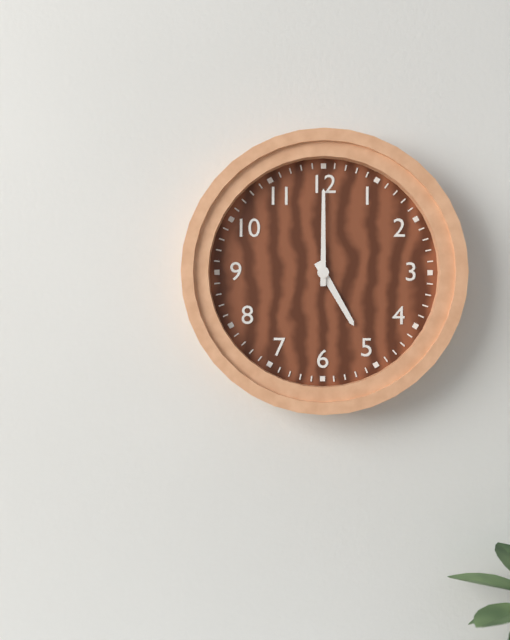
5:00
